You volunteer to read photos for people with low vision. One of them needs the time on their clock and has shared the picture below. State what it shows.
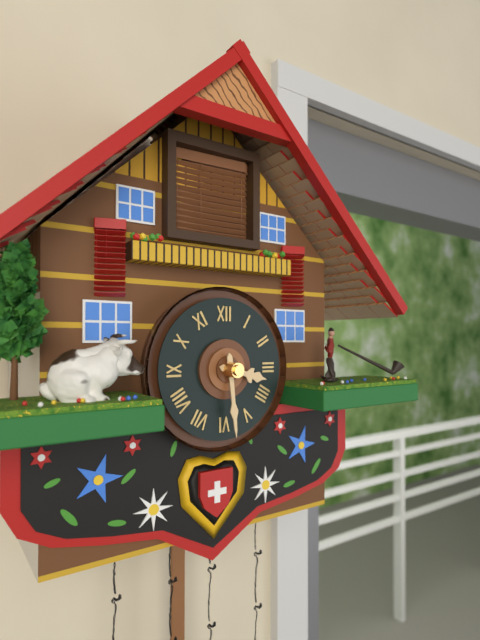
3:29
